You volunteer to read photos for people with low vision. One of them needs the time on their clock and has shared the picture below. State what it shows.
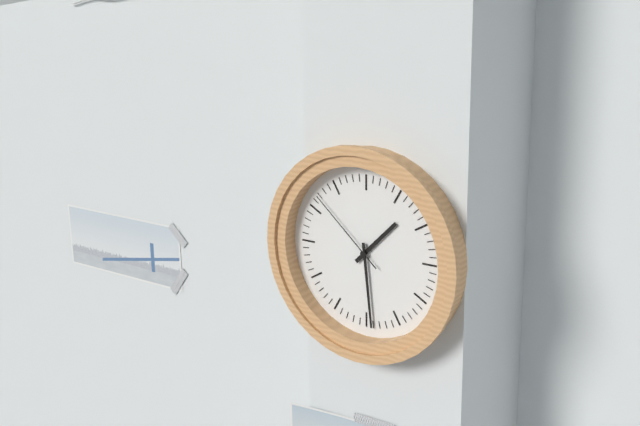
1:29:52
